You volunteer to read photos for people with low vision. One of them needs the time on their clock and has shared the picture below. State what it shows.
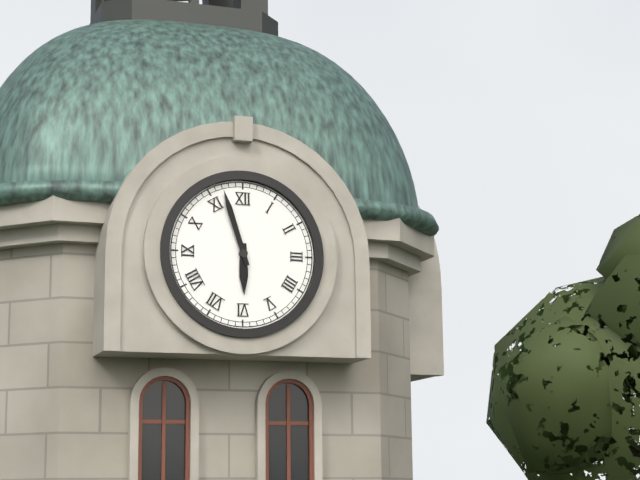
5:57
